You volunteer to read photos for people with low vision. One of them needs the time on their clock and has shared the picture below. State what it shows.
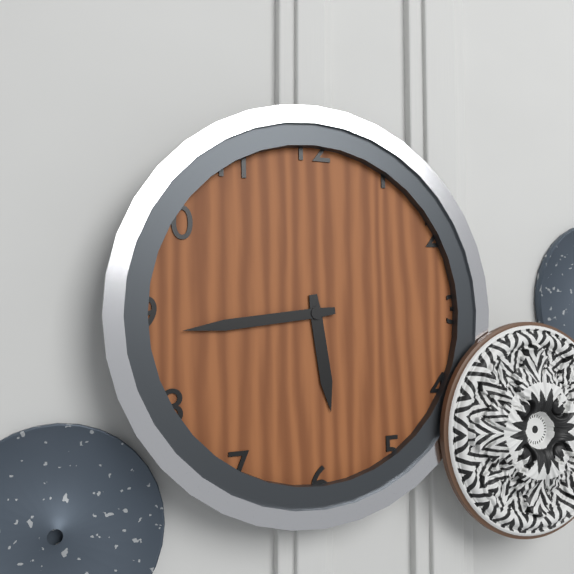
5:44
